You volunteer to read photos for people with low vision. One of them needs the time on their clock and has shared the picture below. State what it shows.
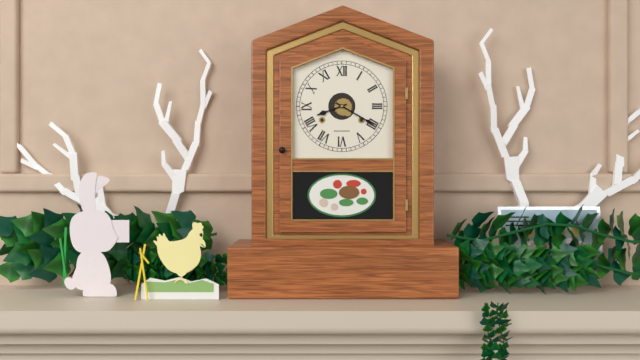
8:20
